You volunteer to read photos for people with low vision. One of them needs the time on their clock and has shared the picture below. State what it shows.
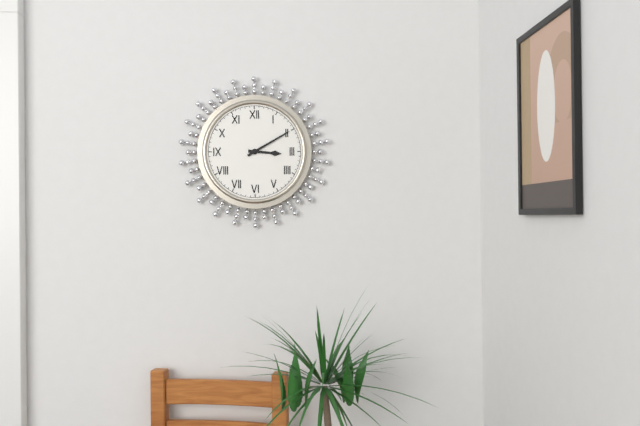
3:10
